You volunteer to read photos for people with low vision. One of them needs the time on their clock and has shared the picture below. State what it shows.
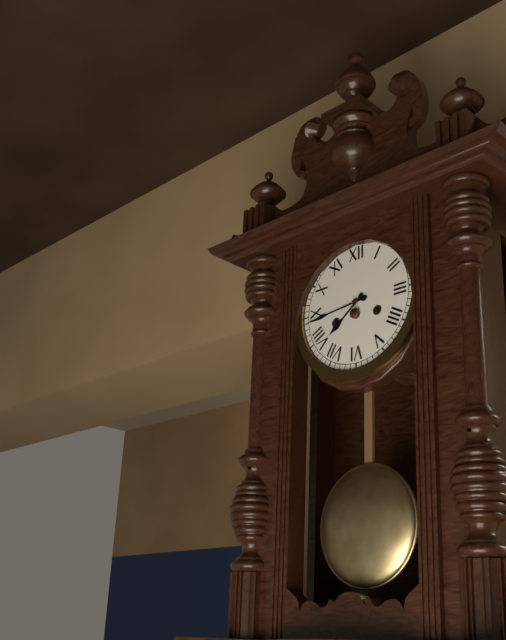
7:44
